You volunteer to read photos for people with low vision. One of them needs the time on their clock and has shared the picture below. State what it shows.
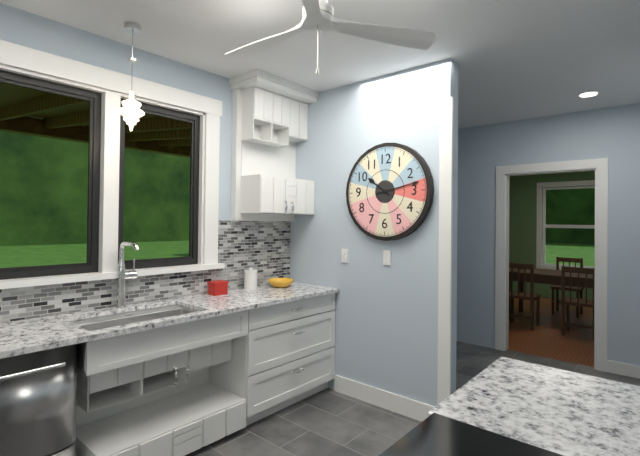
10:13
